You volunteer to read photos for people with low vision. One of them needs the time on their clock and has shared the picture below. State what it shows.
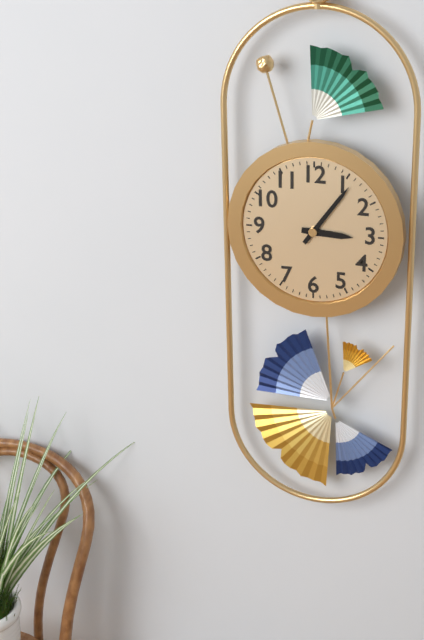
3:06
